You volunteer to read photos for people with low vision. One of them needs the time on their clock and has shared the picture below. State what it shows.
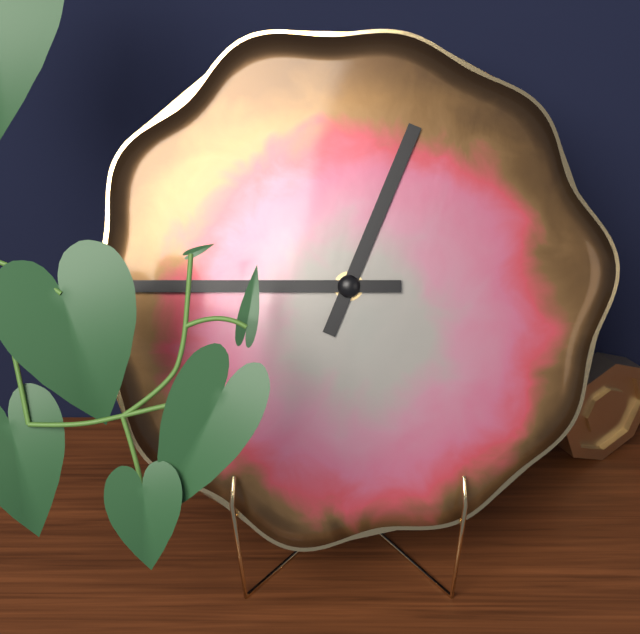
12:45
